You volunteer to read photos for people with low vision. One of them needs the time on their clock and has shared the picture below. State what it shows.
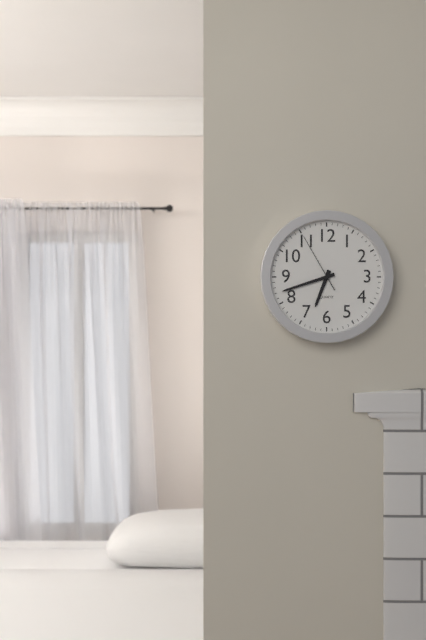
6:42:55
